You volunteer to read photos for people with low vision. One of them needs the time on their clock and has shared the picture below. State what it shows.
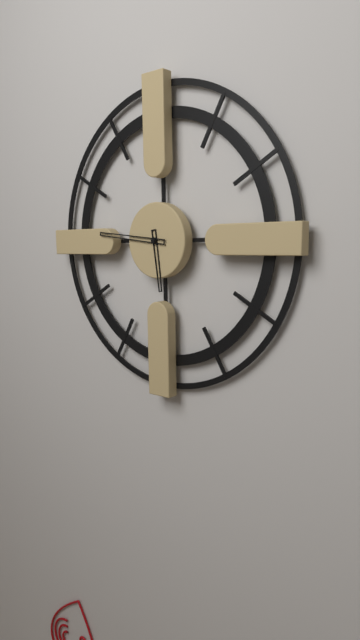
5:46
